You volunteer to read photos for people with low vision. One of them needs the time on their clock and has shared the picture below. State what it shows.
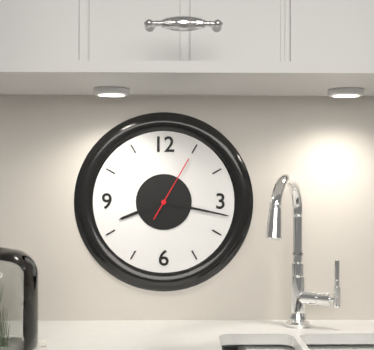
8:17:05
